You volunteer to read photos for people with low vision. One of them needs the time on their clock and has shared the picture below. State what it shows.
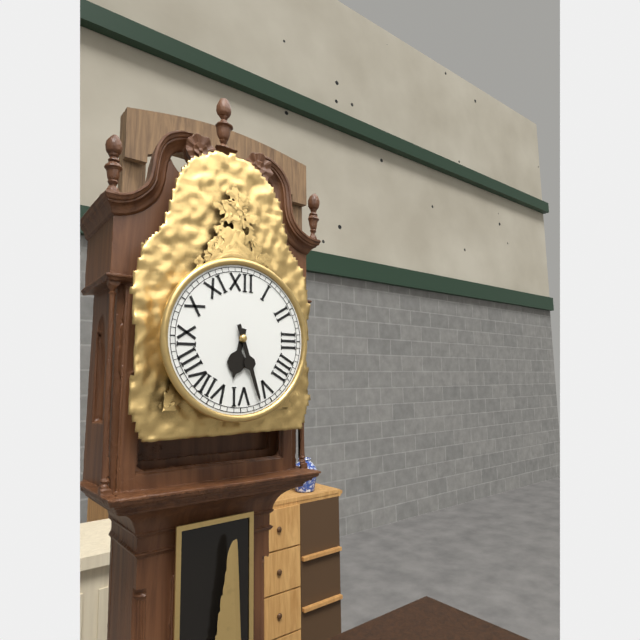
6:27
